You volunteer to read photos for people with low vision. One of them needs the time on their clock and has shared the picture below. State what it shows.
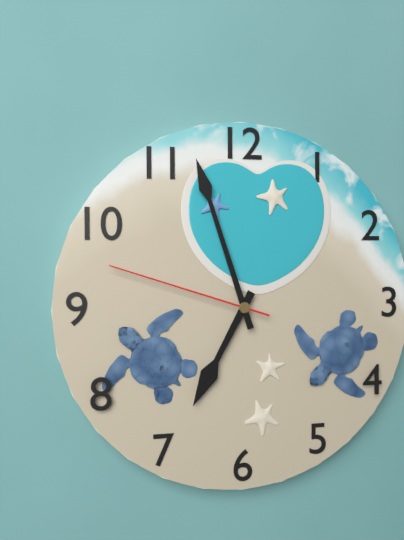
6:57:48
